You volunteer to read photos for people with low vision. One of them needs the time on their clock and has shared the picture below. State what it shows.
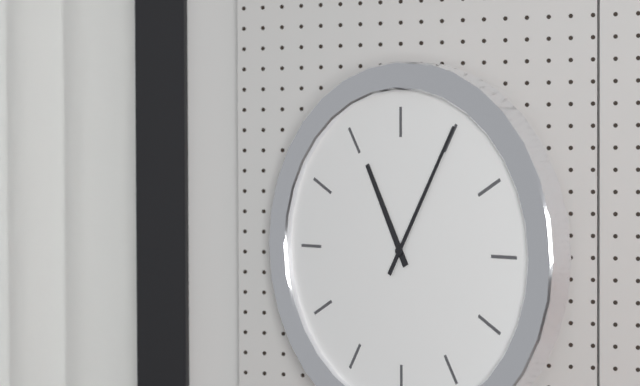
11:05
